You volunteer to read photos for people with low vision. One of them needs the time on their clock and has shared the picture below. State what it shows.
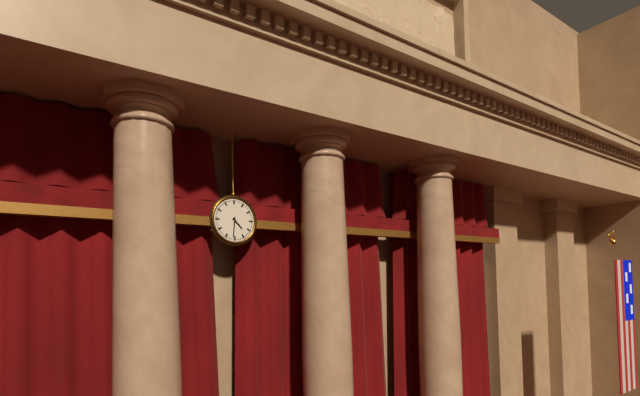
4:31
